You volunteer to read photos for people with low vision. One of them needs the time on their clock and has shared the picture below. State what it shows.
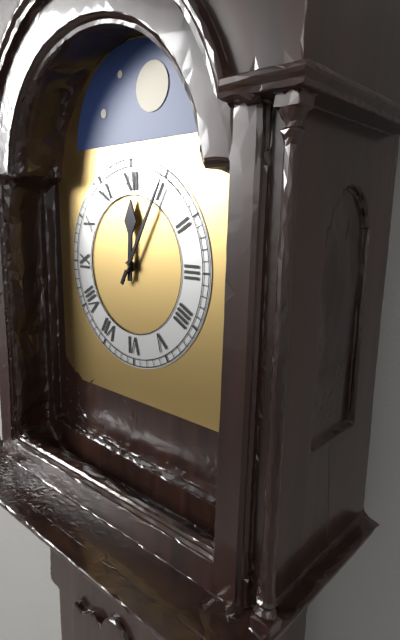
12:05
